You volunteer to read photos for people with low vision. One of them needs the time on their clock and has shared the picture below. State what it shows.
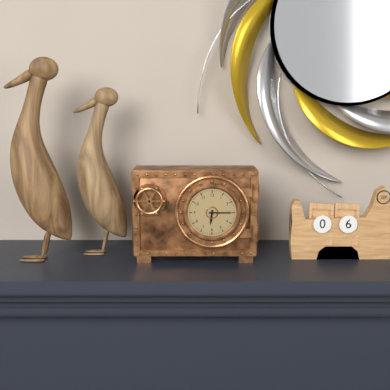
6:15
